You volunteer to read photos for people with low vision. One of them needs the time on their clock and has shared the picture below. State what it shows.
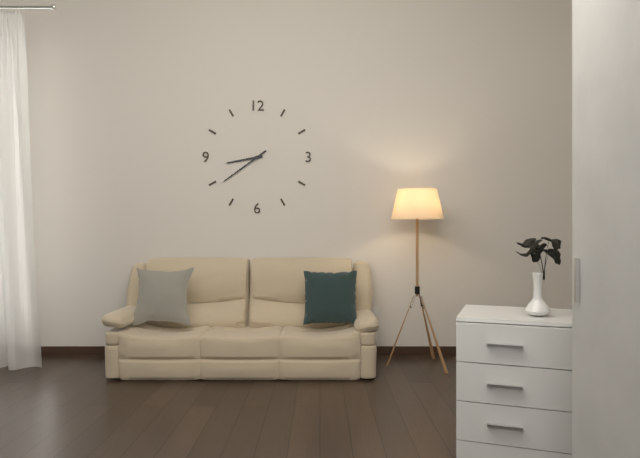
8:39
